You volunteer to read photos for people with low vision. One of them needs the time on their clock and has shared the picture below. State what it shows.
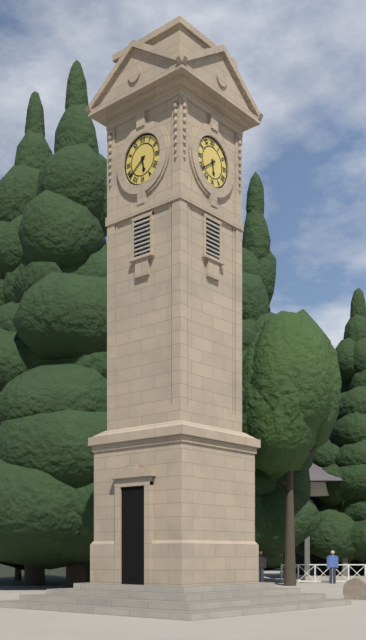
5:39
